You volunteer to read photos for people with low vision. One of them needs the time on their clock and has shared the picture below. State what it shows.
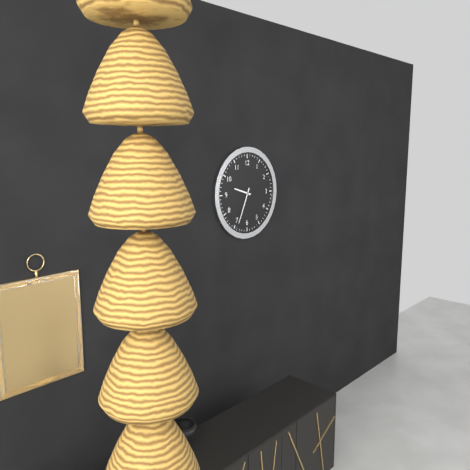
9:34
